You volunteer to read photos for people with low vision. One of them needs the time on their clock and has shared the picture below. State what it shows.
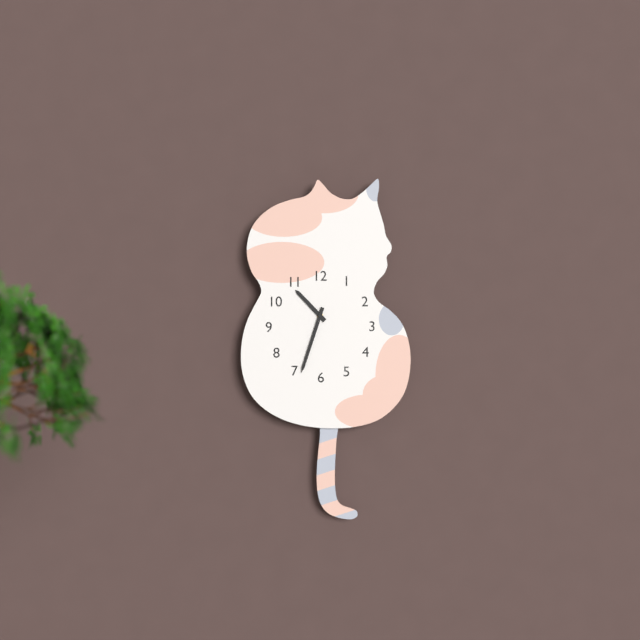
10:33
